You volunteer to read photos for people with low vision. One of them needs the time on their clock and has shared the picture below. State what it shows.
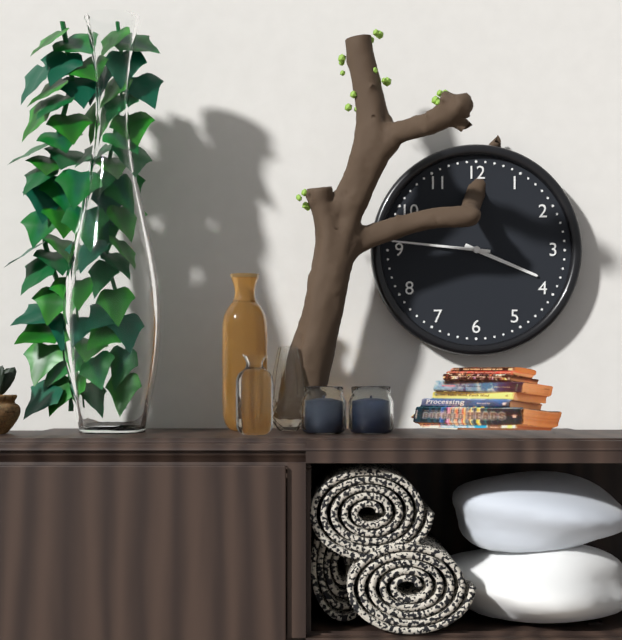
3:46
